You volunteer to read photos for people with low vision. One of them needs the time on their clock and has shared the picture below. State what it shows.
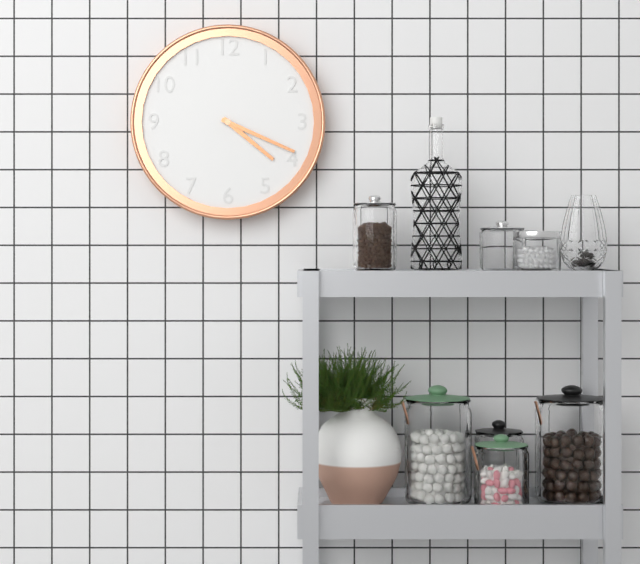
4:19
